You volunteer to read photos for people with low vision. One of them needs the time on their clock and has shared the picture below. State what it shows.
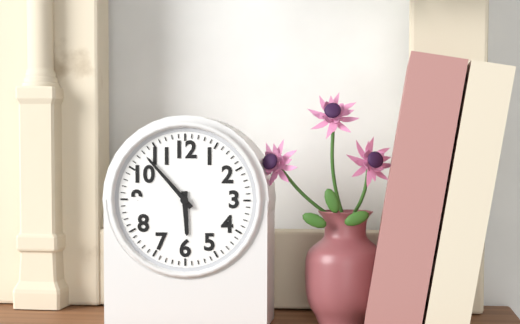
5:53
